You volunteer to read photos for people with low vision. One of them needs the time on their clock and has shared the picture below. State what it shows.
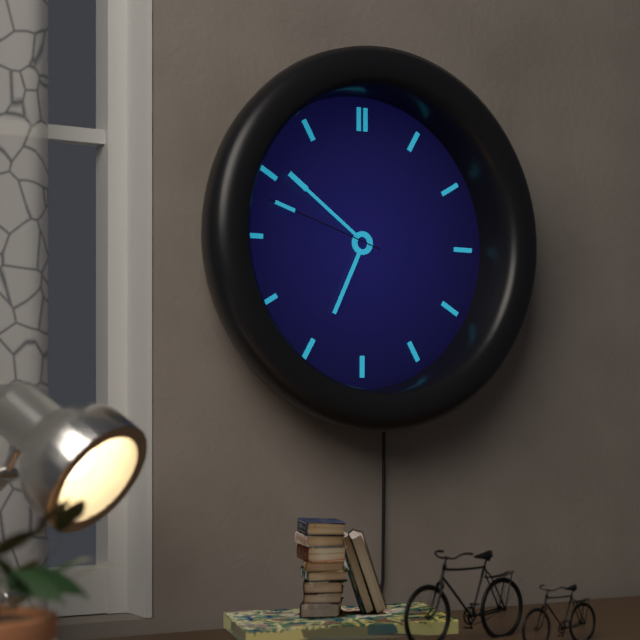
6:51:48
